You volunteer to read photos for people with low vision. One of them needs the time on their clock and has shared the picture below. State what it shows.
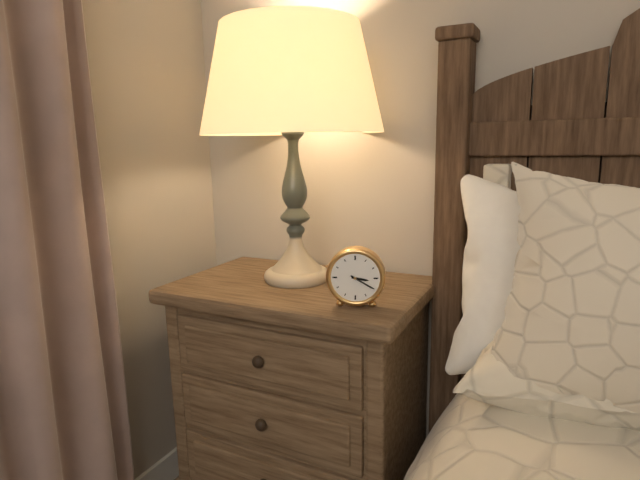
3:20
